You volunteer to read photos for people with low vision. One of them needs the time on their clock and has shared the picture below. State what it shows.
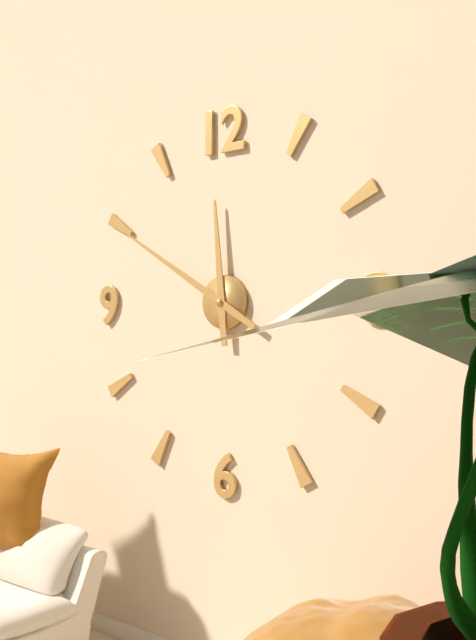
11:50
